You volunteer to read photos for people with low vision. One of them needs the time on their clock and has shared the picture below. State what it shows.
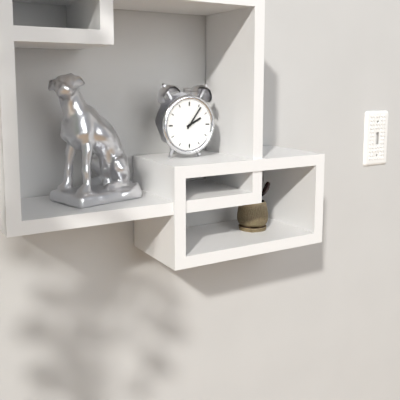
2:06
